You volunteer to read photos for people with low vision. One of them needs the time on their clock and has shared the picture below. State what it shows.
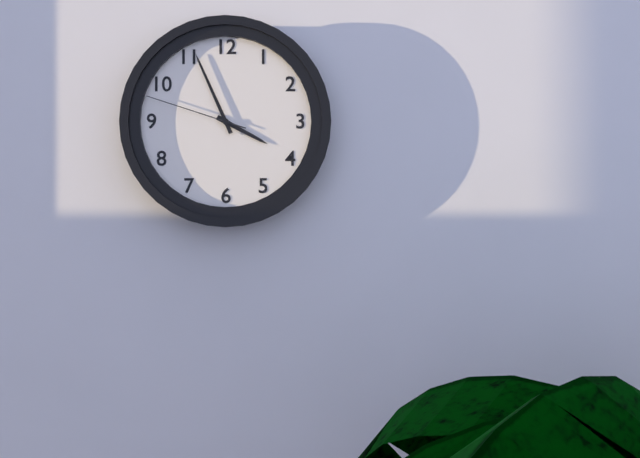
3:56:48
